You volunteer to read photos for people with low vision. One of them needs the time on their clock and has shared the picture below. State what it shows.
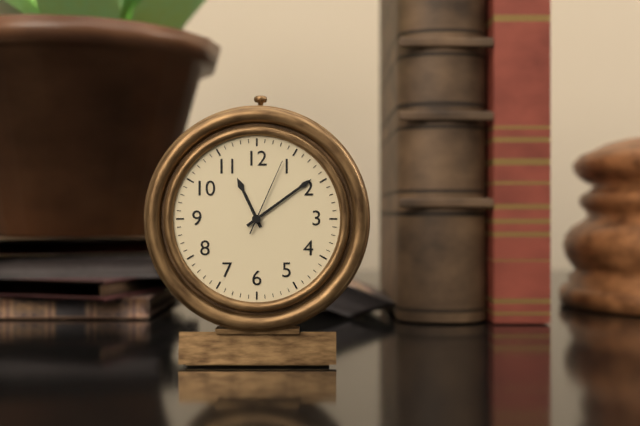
11:09:04
